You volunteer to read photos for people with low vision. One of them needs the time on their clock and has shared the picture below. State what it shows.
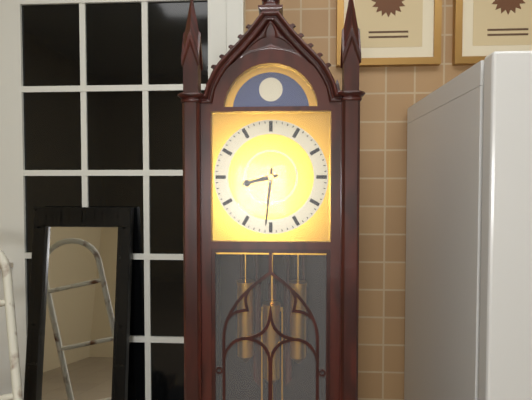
8:31
